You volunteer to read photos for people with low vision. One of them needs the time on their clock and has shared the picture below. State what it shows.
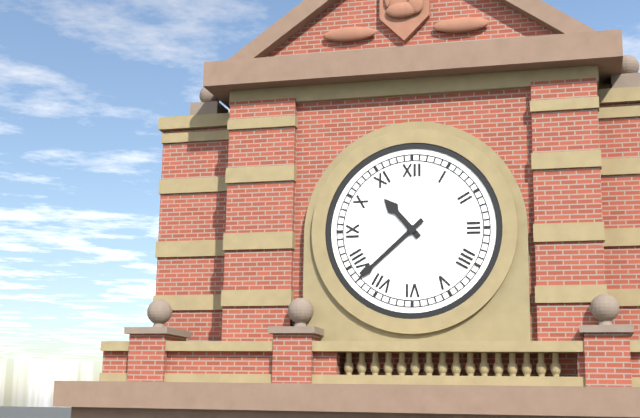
10:38
